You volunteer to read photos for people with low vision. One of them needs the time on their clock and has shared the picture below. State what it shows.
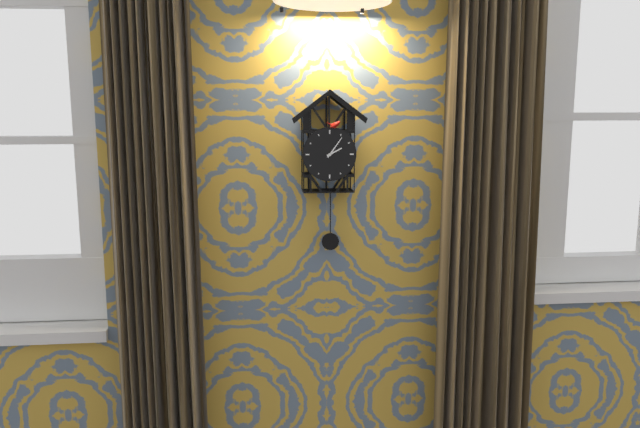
2:06
